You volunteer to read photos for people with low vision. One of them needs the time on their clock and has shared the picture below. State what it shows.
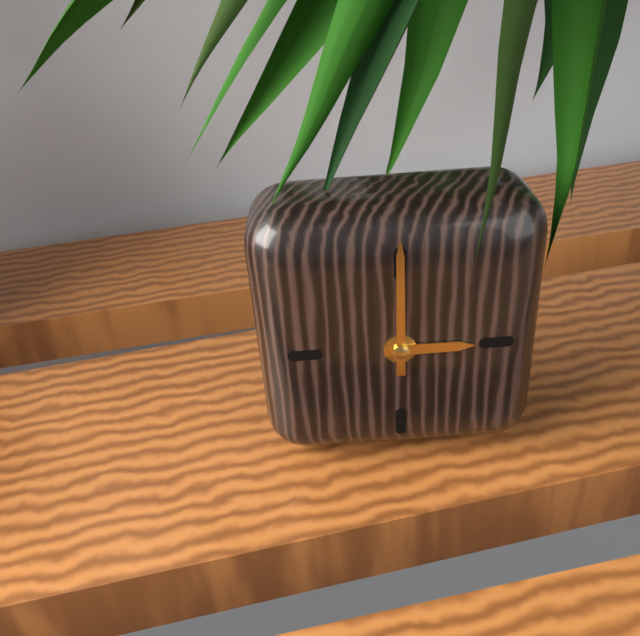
3:00
